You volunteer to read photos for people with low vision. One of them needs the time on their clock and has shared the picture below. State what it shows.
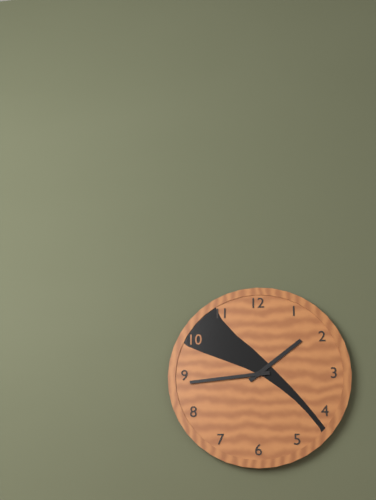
1:44
